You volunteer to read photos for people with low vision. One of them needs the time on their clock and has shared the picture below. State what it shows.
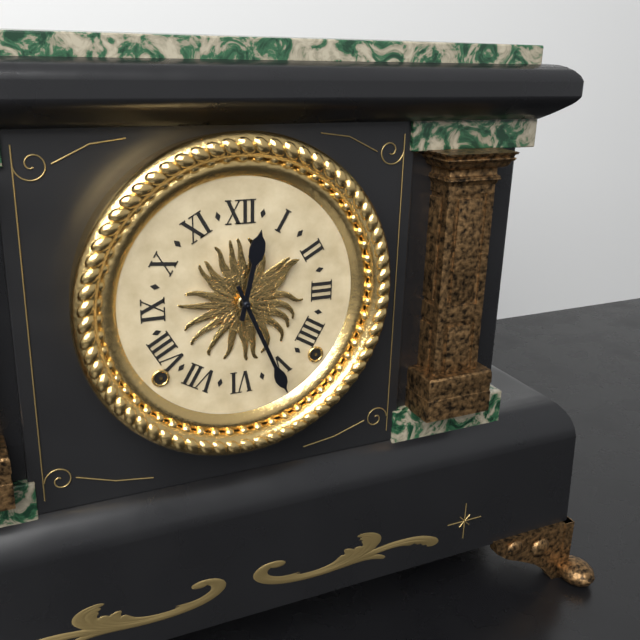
12:26
